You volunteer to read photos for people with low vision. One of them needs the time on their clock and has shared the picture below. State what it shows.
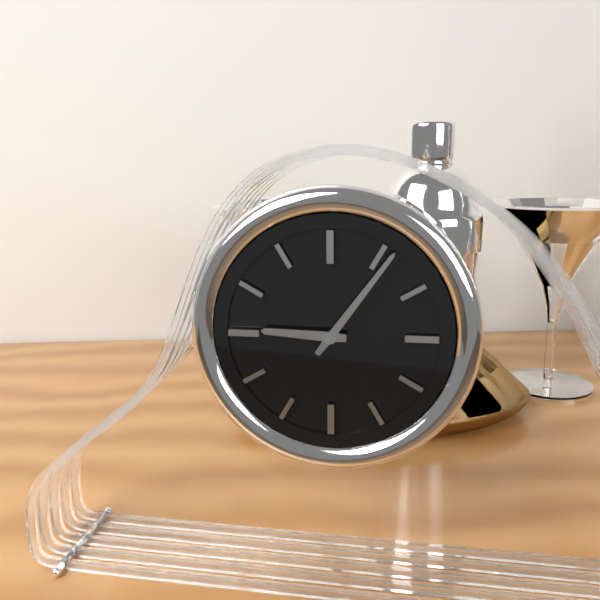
9:06
